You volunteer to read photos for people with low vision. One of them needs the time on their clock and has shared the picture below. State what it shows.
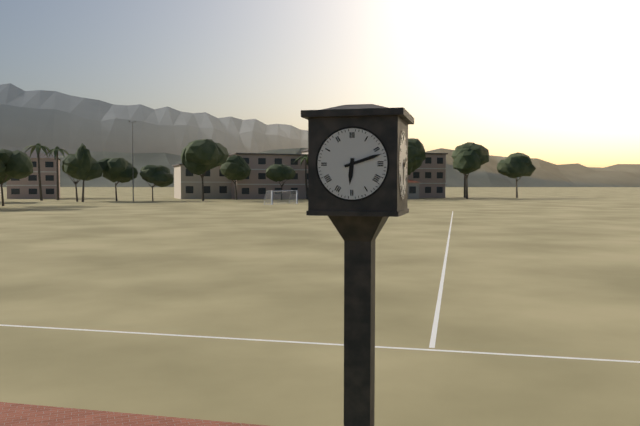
6:12
